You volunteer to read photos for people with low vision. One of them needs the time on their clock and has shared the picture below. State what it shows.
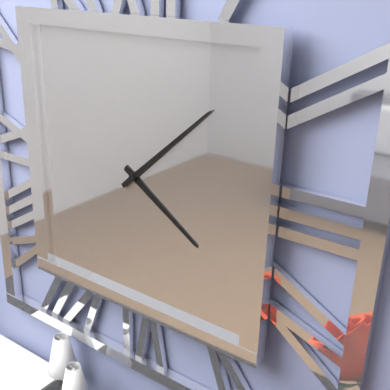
4:08
